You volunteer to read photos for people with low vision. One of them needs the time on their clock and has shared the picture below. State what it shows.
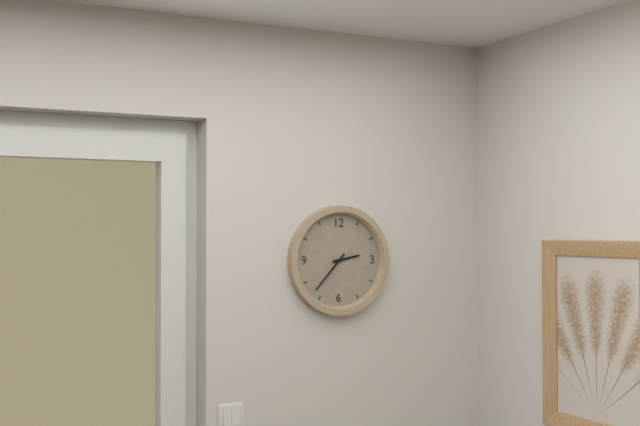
2:37
